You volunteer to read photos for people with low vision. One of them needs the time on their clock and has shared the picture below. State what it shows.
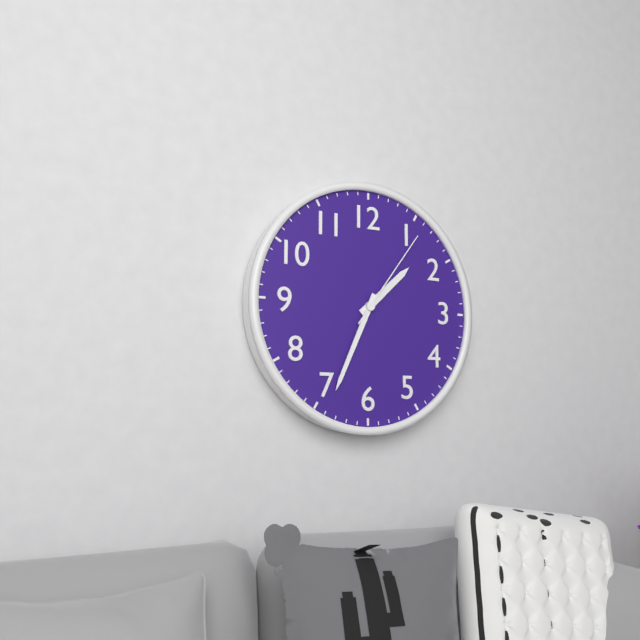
1:34:06
